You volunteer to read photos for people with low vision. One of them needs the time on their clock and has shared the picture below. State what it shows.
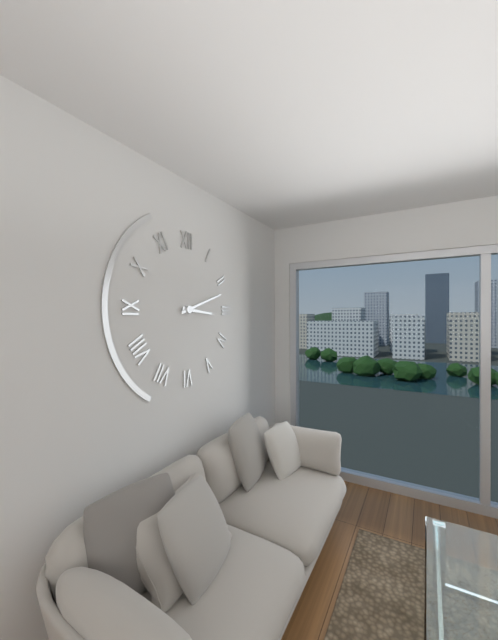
3:12
